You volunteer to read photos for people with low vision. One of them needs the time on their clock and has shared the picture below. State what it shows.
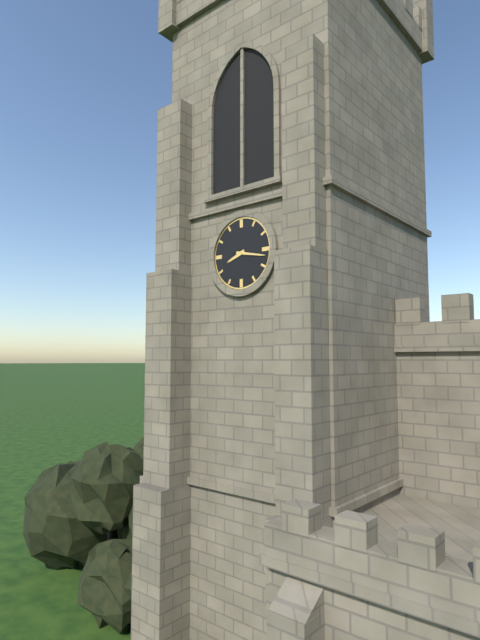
8:17
